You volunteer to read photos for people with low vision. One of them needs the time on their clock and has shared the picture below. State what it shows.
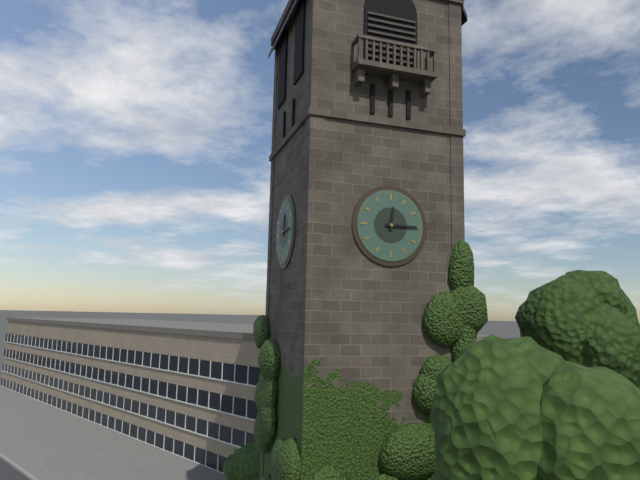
12:15
